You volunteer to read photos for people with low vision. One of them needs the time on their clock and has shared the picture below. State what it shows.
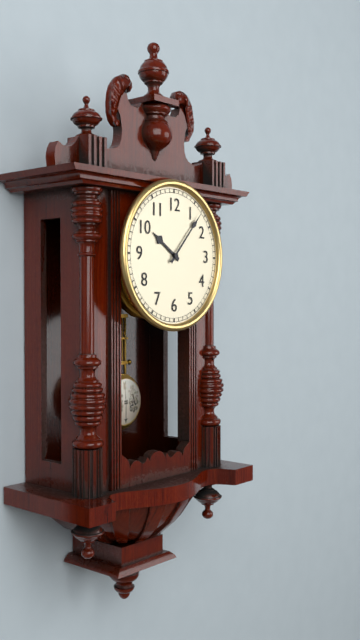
10:07
